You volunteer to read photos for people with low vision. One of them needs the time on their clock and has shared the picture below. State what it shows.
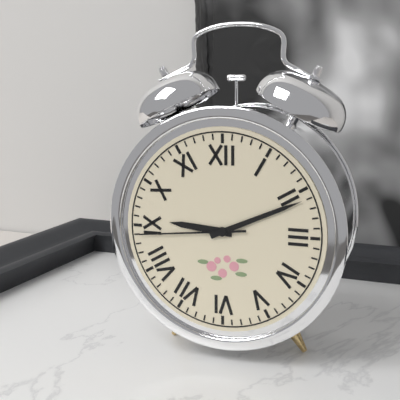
9:11:44
